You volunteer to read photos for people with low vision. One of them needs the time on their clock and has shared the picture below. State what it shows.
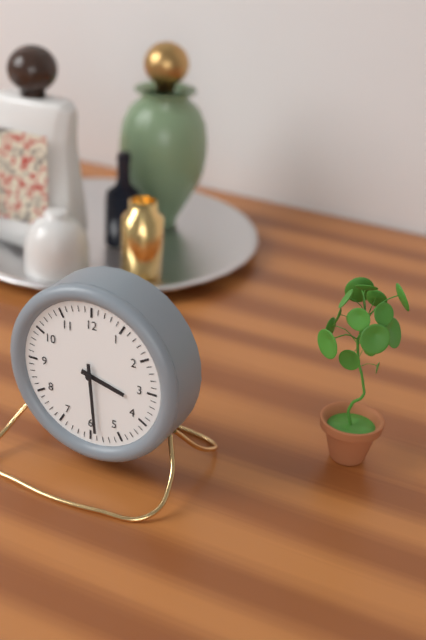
3:29
